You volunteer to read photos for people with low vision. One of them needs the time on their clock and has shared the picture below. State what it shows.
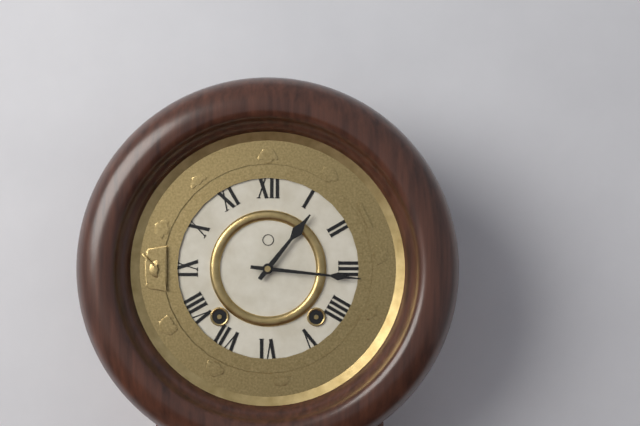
1:16
